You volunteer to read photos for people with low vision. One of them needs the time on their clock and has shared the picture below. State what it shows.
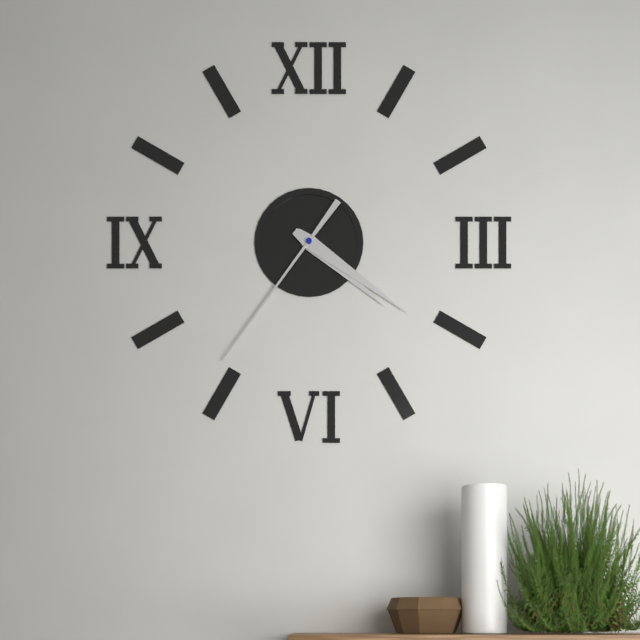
4:21:36
